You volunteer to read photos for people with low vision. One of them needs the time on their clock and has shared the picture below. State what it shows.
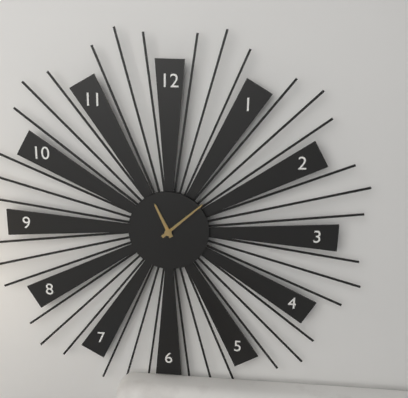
11:08
